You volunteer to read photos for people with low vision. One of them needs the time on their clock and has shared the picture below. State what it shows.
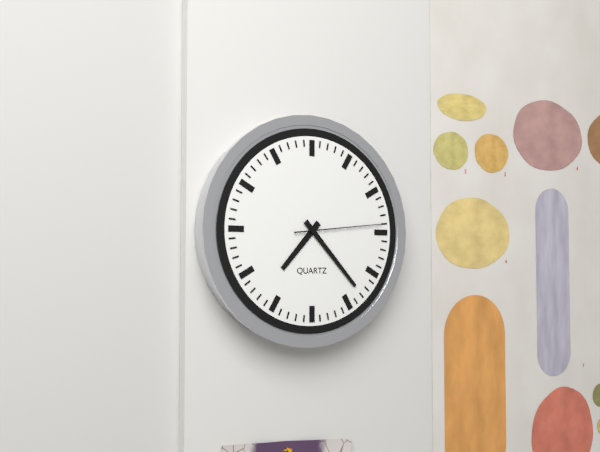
7:23:14
